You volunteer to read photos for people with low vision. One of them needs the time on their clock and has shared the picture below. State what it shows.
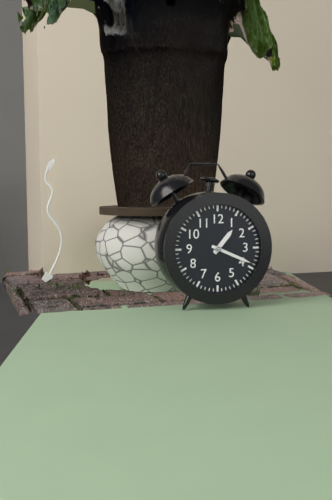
1:19
